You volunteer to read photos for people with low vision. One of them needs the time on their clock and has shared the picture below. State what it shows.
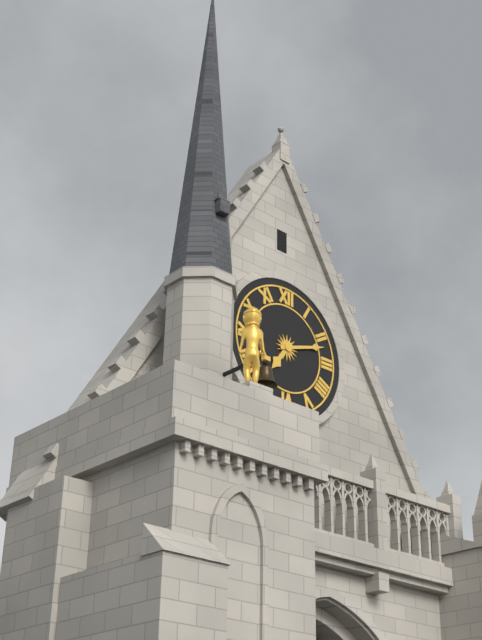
7:12
